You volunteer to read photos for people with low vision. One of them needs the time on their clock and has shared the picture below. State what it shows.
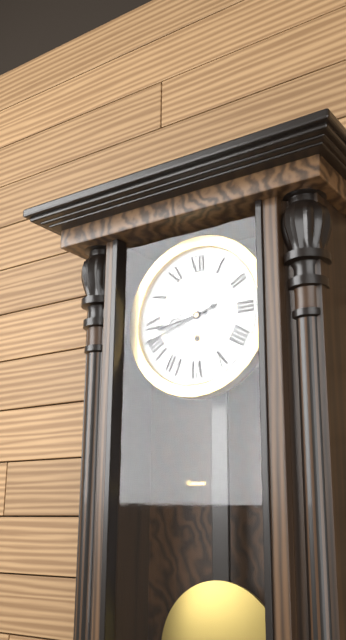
8:42
